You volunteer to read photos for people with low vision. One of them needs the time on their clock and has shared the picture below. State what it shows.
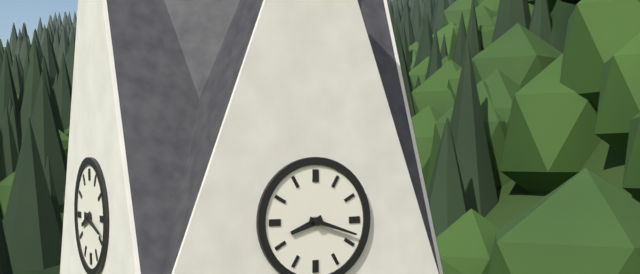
8:18
